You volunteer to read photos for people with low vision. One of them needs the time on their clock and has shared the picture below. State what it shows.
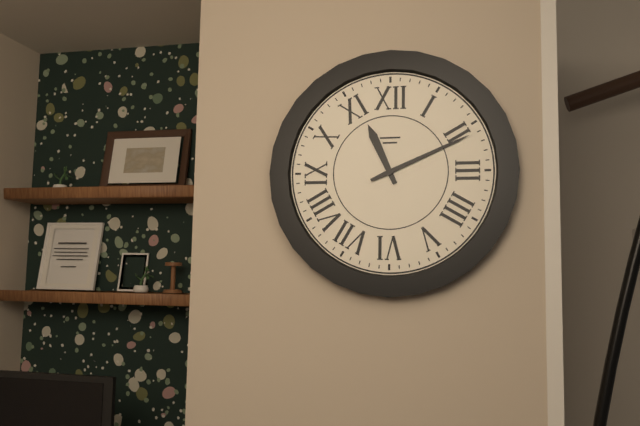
11:11
